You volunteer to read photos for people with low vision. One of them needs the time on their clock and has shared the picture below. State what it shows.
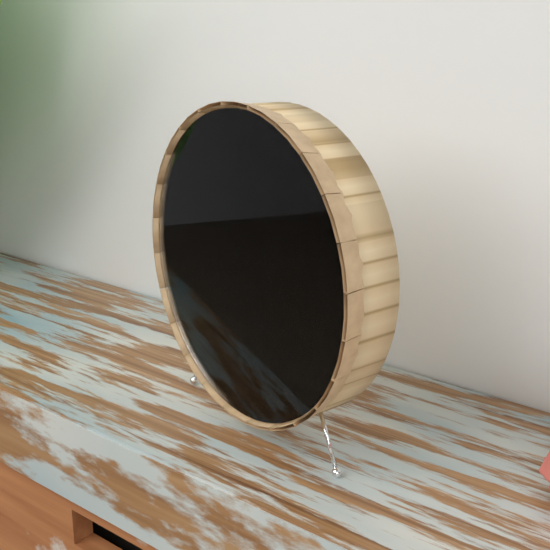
5:18
